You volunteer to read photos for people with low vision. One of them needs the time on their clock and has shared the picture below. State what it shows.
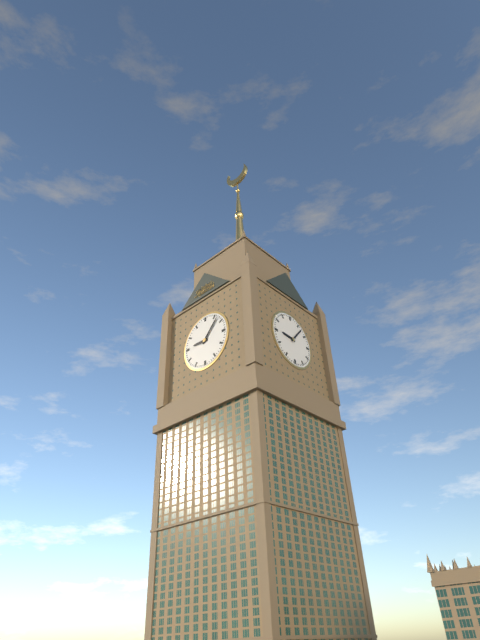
9:07
